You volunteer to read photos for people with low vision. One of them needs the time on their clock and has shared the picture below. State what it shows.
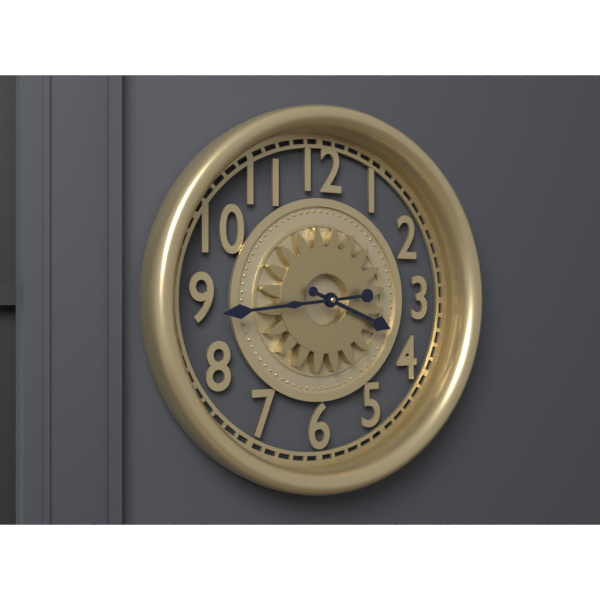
3:44
